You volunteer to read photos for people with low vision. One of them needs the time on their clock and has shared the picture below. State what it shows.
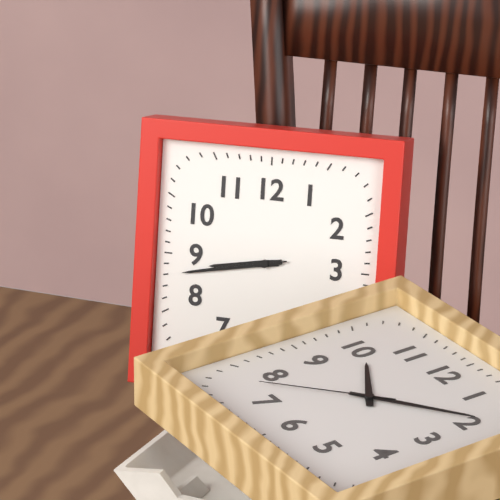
8:43:43
